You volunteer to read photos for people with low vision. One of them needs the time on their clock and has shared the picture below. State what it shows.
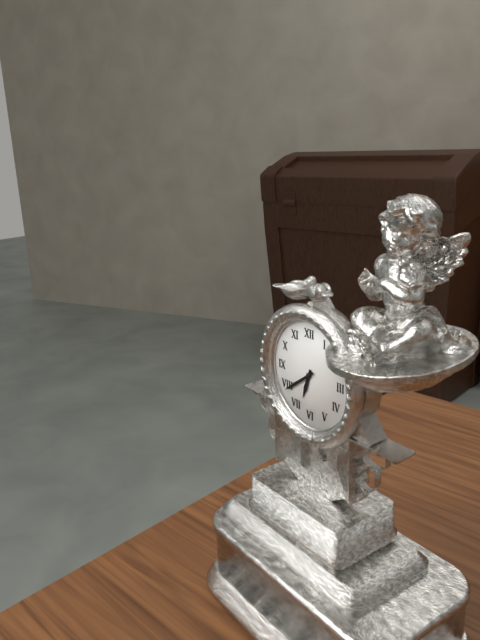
6:39
